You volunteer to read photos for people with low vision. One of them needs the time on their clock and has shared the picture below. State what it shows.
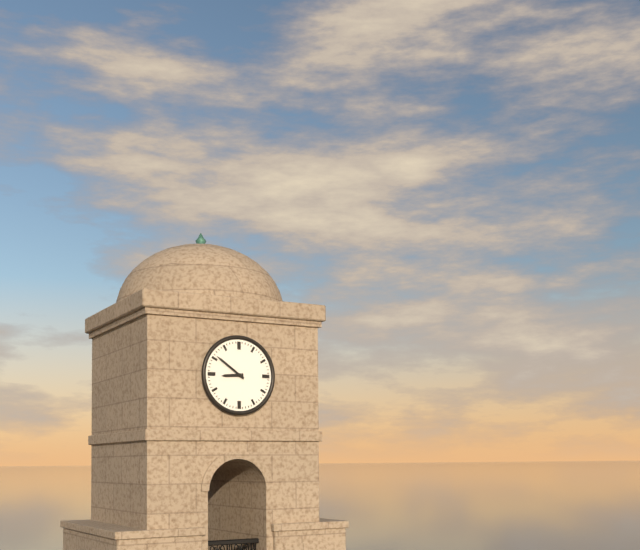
8:51
